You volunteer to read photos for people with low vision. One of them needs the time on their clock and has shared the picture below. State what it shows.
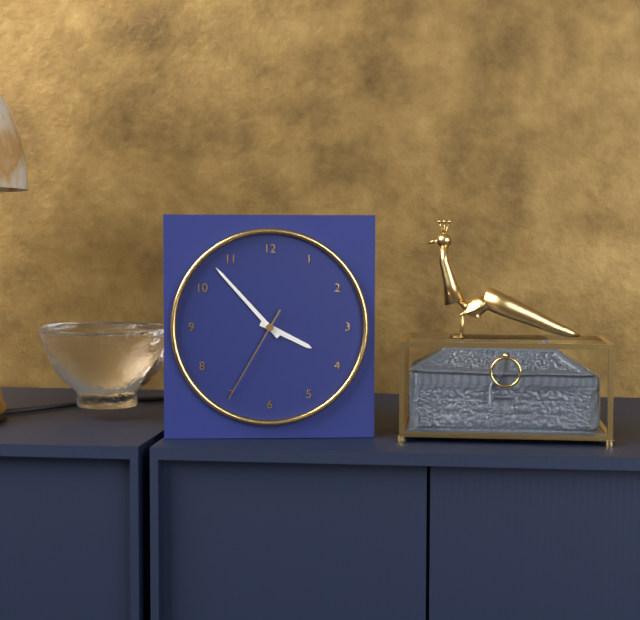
3:53:35
